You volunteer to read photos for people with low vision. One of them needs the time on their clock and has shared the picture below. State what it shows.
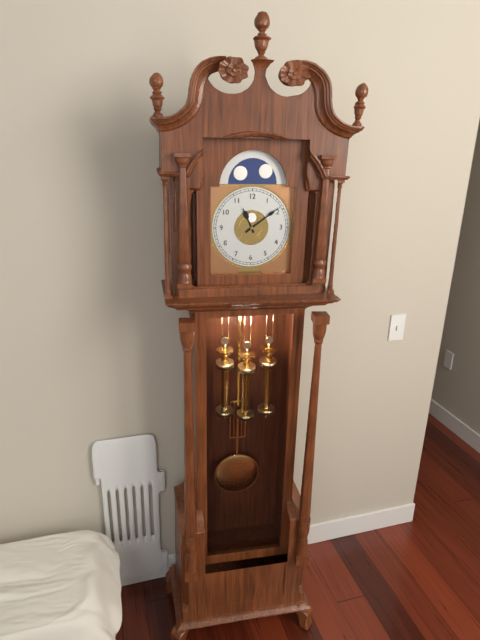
11:09
